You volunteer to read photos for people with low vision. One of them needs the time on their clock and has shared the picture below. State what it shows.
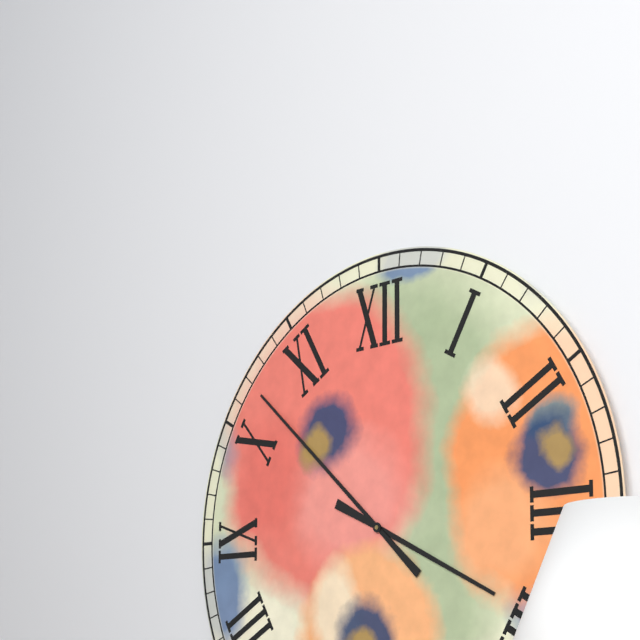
3:52
